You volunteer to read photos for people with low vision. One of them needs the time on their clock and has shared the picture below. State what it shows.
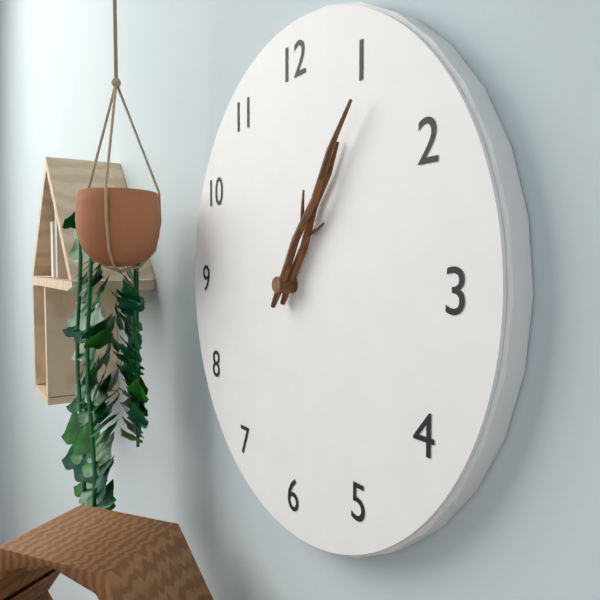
1:06
